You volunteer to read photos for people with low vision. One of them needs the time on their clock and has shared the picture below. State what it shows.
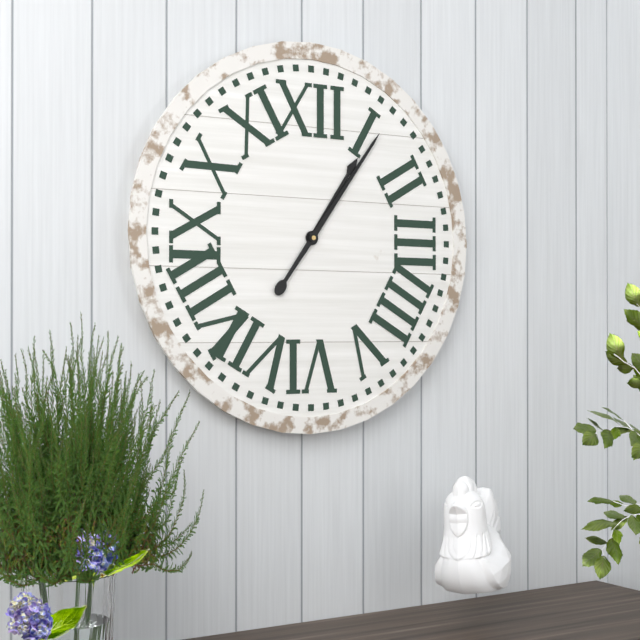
1:06
